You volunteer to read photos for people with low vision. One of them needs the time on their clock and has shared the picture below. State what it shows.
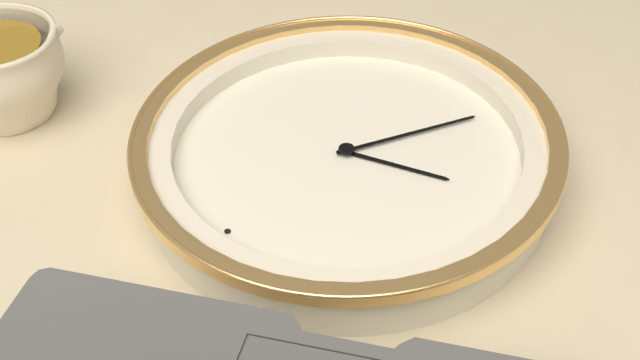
7:30
